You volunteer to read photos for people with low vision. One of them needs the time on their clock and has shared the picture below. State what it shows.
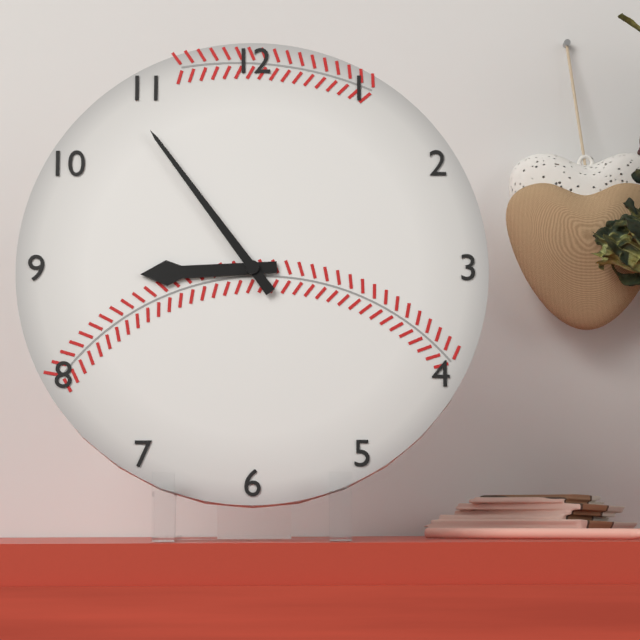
8:54
